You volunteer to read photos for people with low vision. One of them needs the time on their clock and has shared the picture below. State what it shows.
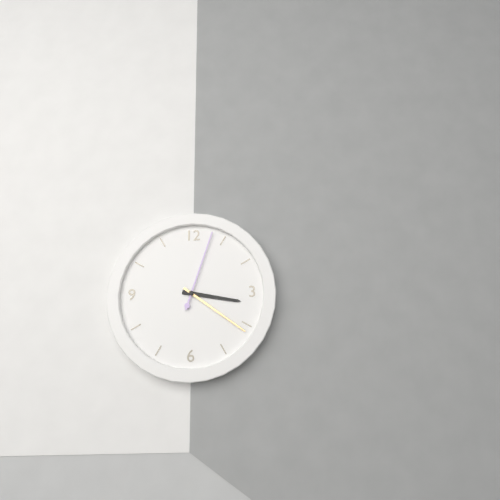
3:21:03
